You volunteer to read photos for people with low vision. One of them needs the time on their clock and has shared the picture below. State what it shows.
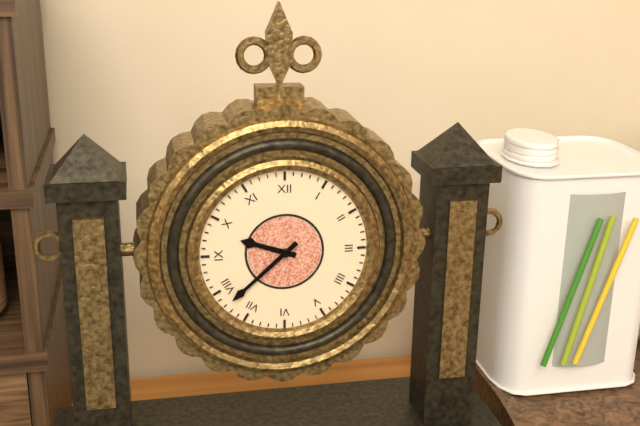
9:38
